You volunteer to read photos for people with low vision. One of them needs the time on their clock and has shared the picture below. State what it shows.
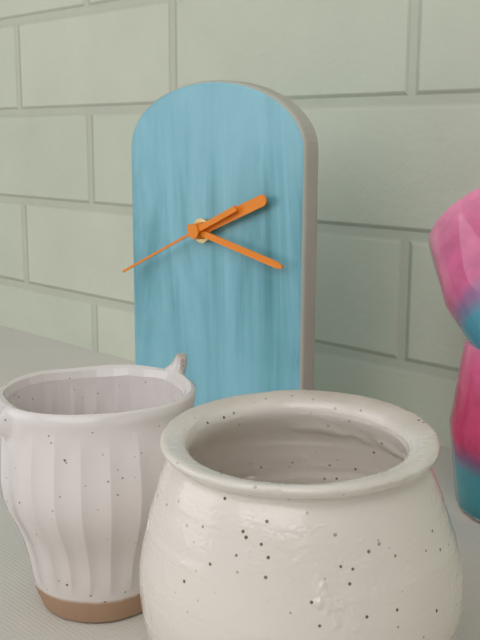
2:17:41
